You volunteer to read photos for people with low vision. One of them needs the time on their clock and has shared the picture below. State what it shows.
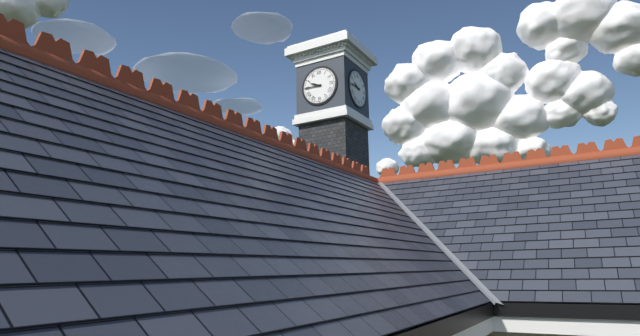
9:45
